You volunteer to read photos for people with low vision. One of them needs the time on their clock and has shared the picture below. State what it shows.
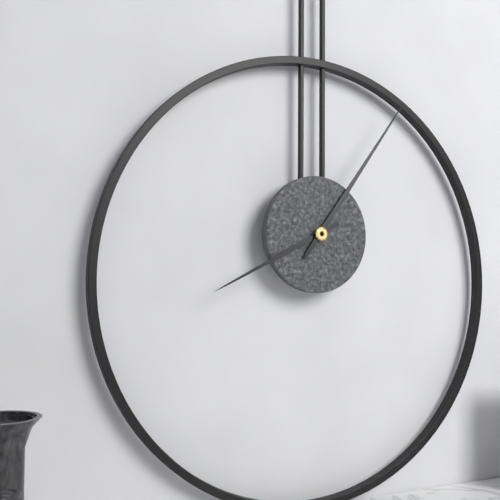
8:06
